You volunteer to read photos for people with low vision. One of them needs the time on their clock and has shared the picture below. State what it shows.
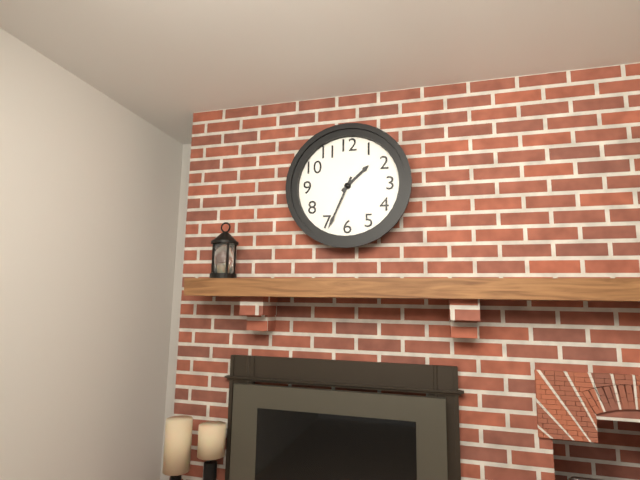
1:34
